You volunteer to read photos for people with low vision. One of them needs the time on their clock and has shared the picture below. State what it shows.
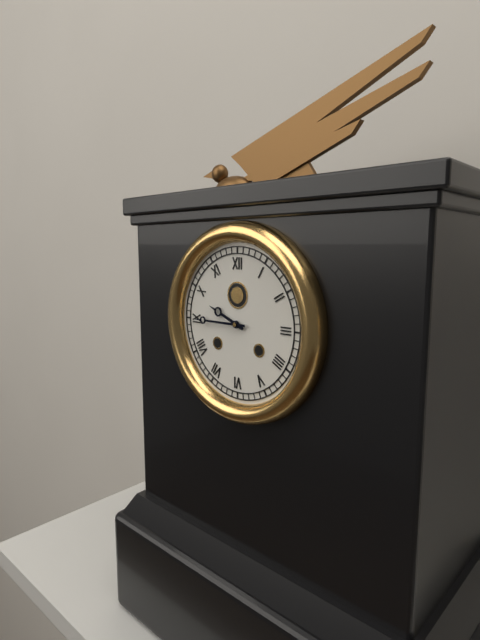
9:45
